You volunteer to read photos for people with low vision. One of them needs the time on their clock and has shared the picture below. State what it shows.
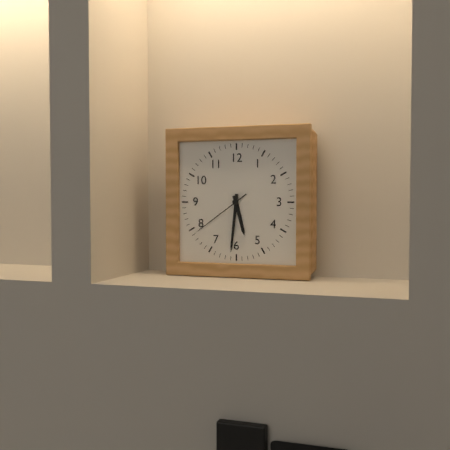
5:31:39
